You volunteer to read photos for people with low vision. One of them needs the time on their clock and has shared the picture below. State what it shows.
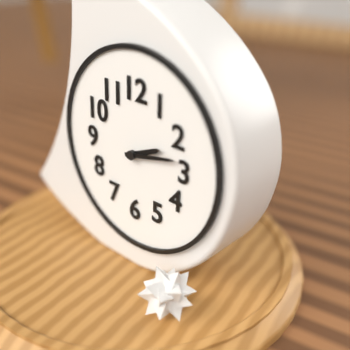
2:13
